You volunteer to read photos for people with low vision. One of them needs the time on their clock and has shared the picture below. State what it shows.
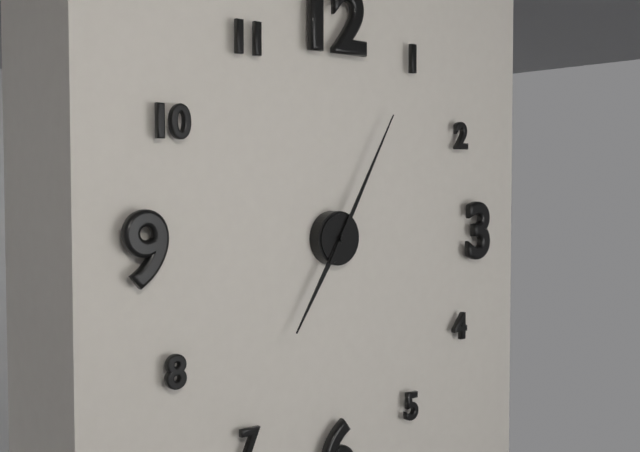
7:05
